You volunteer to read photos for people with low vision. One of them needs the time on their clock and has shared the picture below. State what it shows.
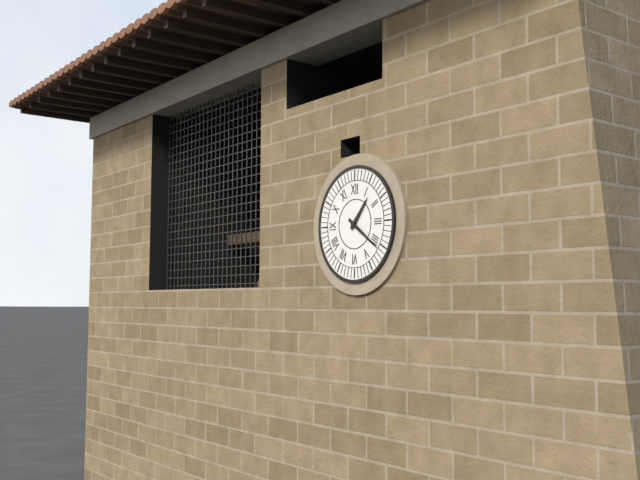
1:21
